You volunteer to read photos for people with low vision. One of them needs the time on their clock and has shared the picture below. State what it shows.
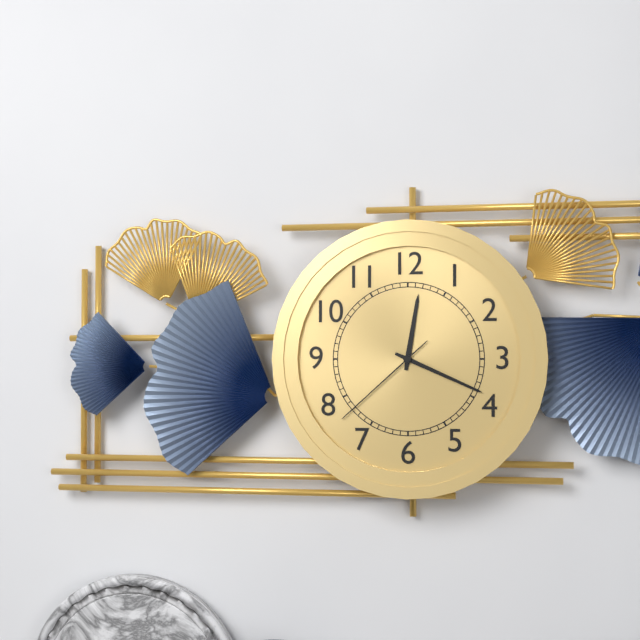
12:19:38
